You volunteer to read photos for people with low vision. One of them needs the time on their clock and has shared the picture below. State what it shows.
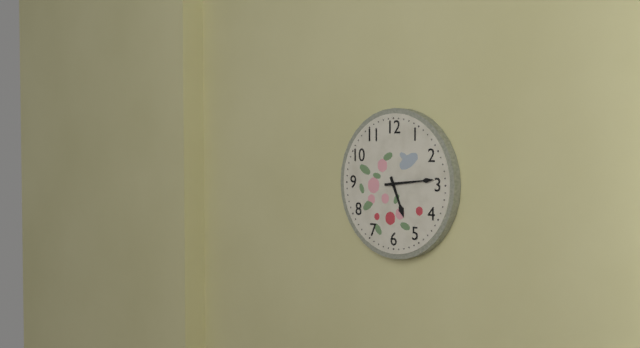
5:14
